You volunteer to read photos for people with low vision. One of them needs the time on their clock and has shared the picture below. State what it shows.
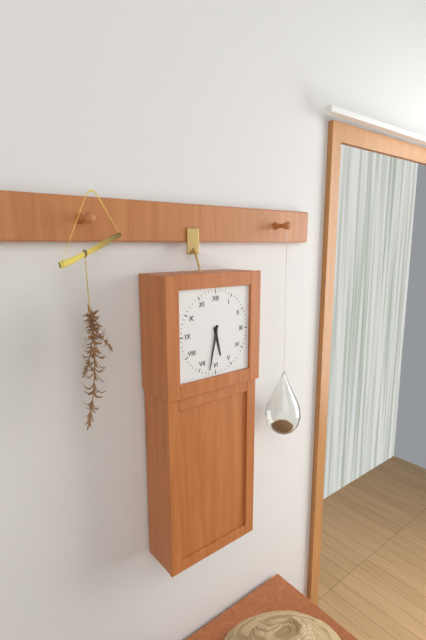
5:32
